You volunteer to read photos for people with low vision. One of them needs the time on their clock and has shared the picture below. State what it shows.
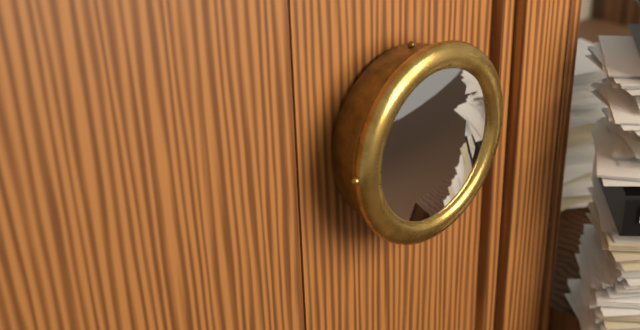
1:06:35
